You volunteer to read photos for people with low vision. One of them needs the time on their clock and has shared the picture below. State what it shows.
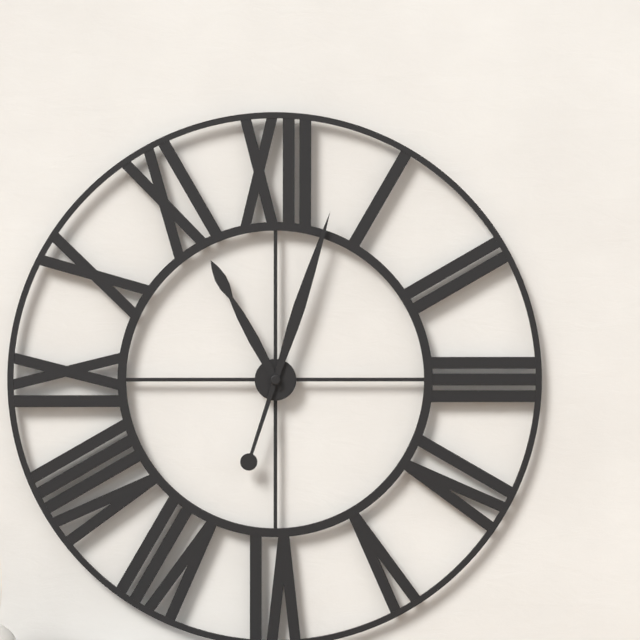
11:03
